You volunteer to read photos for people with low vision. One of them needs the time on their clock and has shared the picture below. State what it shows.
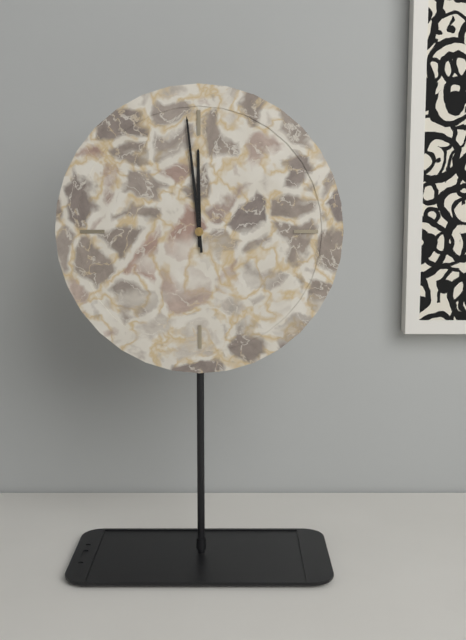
11:59
